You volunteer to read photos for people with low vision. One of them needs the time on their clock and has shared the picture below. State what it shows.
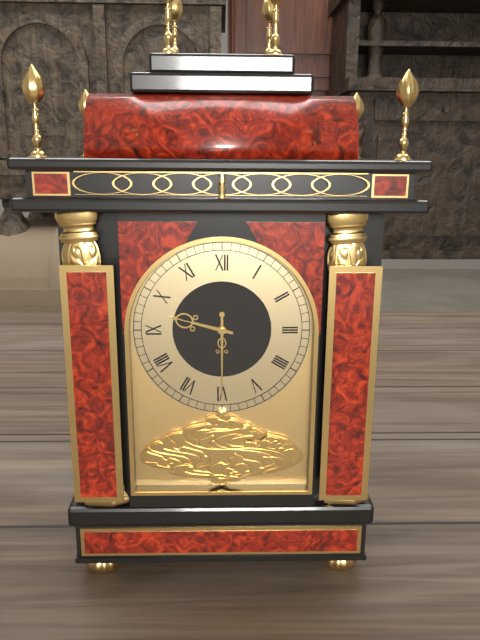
9:30
